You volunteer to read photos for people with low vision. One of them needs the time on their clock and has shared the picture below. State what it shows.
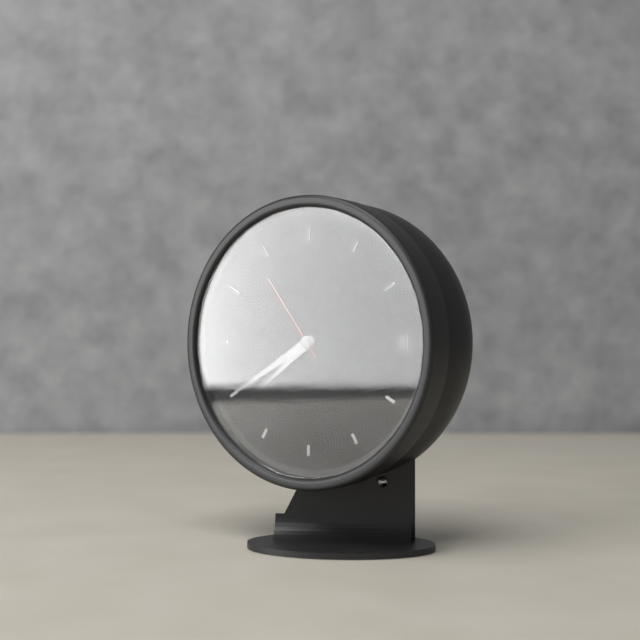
7:40:54
